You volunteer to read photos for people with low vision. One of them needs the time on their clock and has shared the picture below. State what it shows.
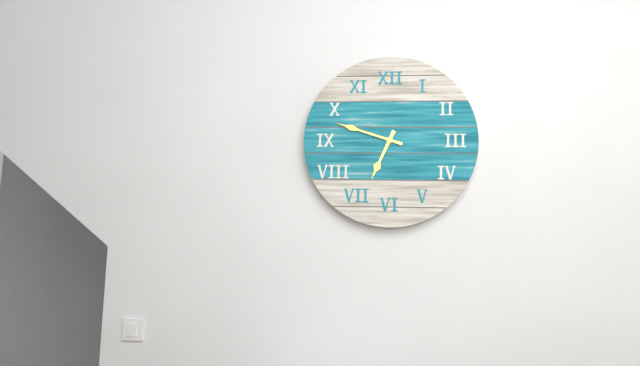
6:48
